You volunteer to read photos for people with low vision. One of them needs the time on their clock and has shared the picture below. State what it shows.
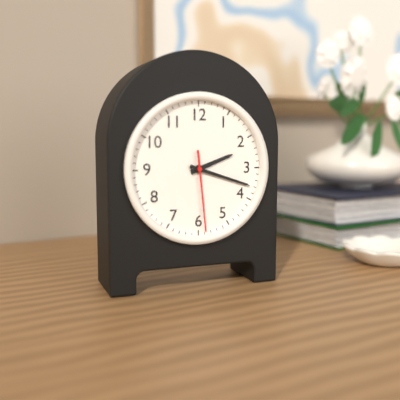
2:18:29
